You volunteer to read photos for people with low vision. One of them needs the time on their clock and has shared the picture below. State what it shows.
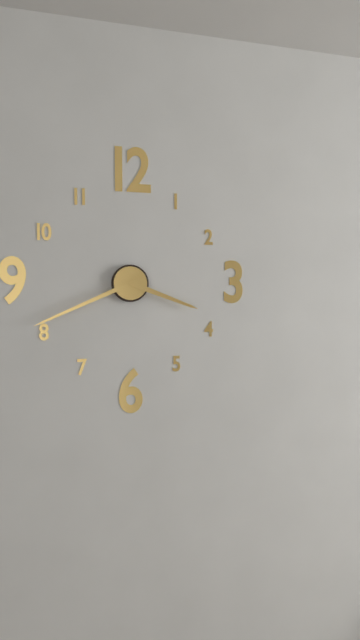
3:41
